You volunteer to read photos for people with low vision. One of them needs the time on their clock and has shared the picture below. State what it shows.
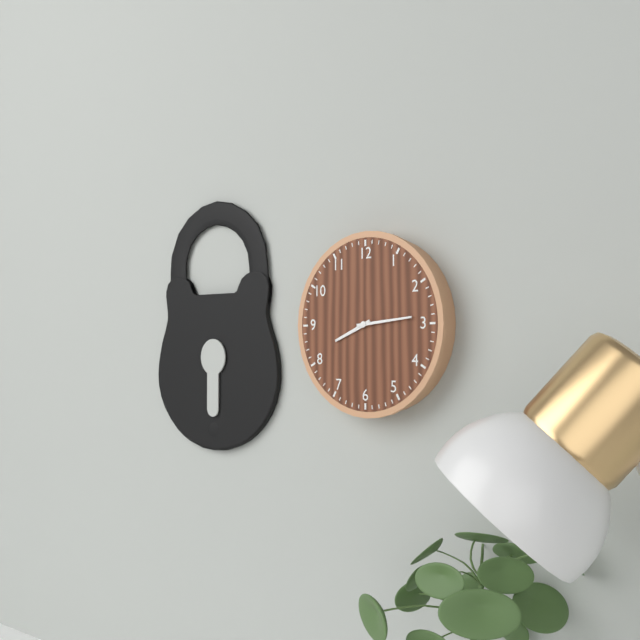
8:14
